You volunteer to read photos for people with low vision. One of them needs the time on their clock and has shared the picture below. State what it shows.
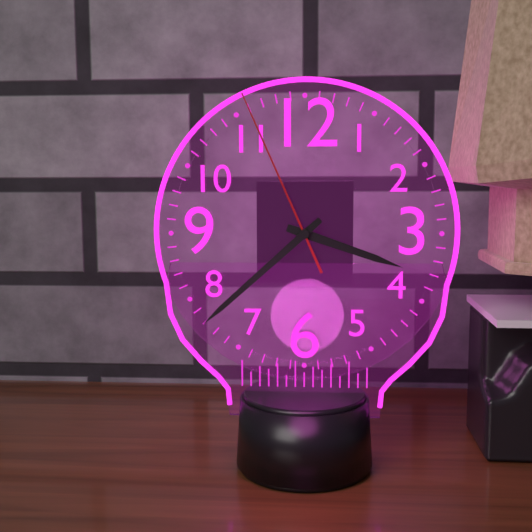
3:38:56
